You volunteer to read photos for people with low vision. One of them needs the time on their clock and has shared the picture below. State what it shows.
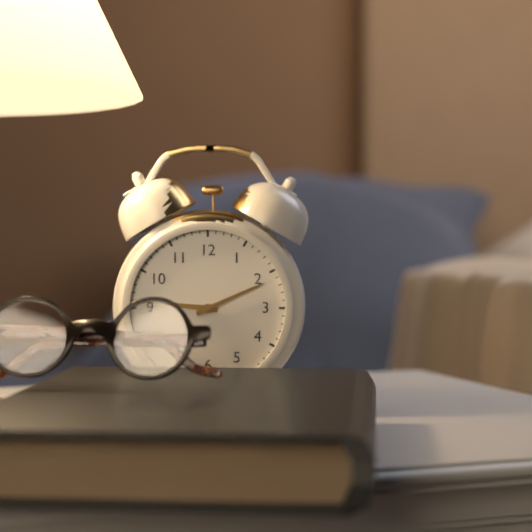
9:11
